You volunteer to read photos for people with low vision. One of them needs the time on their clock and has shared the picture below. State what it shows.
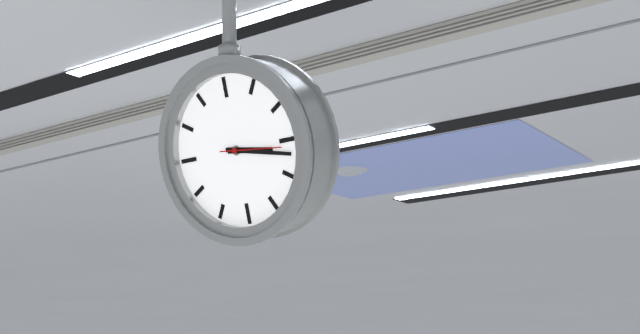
3:17:16
